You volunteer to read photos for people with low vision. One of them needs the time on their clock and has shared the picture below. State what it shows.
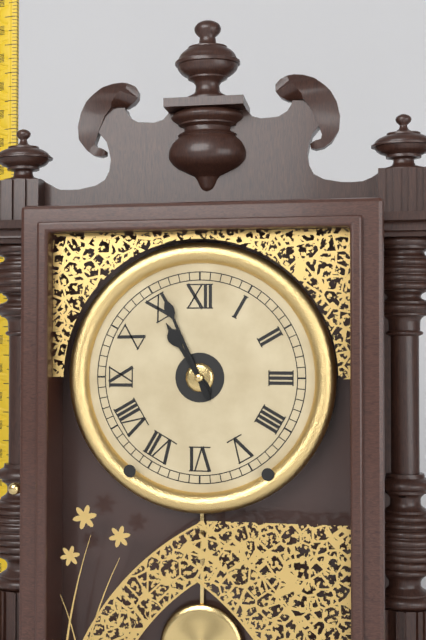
10:56
